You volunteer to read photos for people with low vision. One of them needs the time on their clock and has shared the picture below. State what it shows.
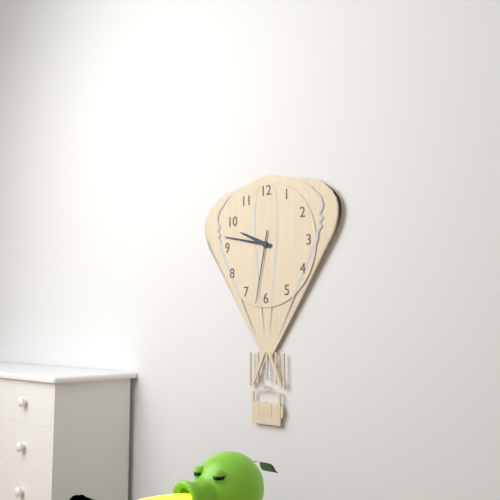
9:47:32
